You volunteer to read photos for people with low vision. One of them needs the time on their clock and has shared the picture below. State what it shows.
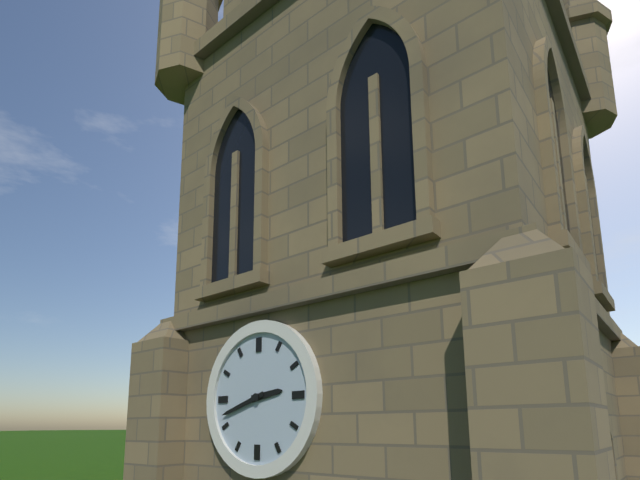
2:42
